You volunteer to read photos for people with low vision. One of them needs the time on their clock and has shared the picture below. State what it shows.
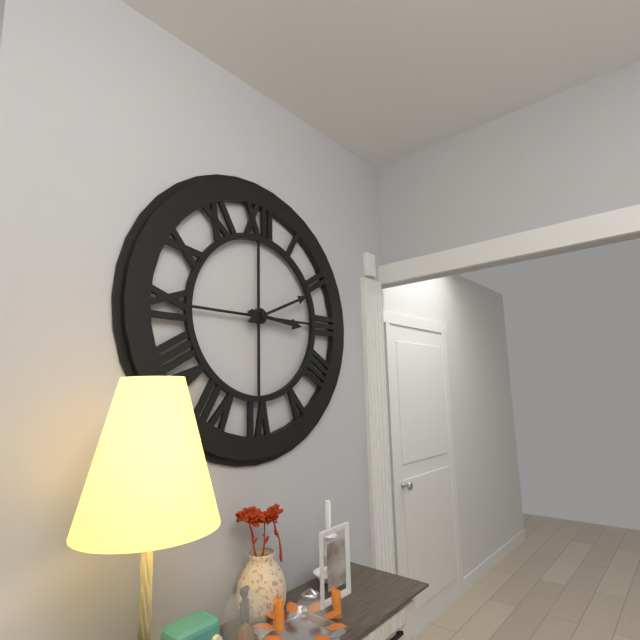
3:11
